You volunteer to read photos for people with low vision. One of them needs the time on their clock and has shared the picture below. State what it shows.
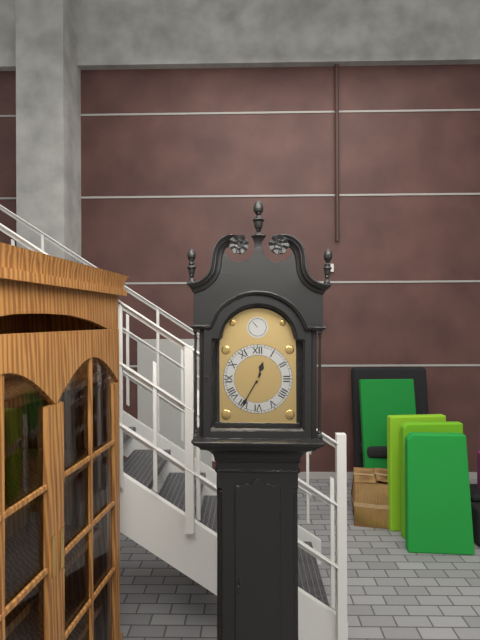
12:35
